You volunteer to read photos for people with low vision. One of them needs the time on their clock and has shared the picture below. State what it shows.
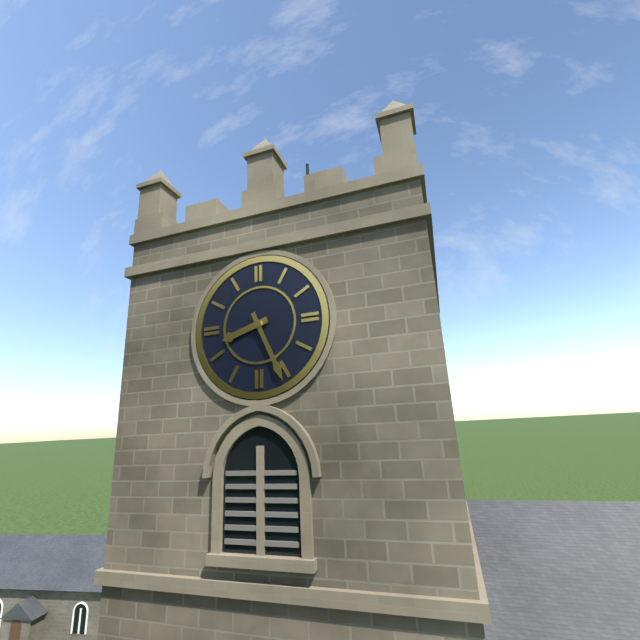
8:26
